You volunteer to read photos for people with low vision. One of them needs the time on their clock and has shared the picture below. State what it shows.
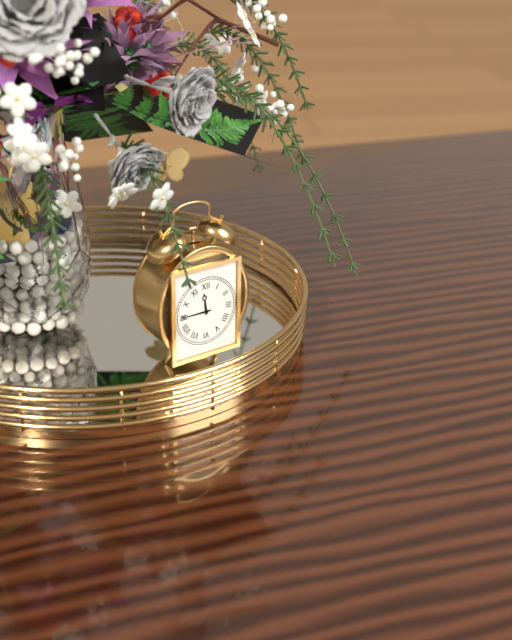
11:45
